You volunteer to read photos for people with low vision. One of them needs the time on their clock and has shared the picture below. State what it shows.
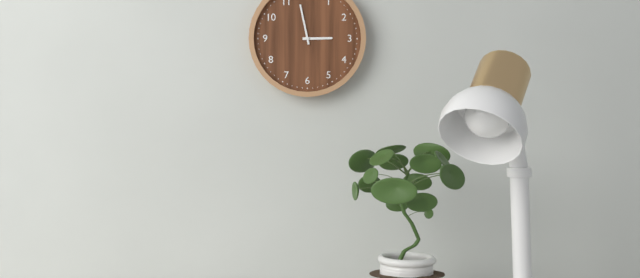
2:58
